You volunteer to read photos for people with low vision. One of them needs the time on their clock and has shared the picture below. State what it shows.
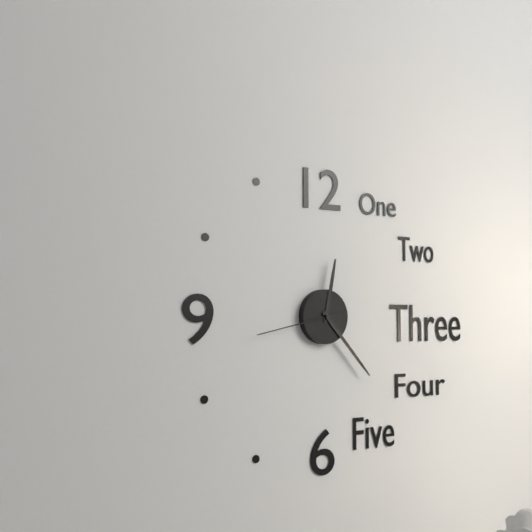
12:23:43
